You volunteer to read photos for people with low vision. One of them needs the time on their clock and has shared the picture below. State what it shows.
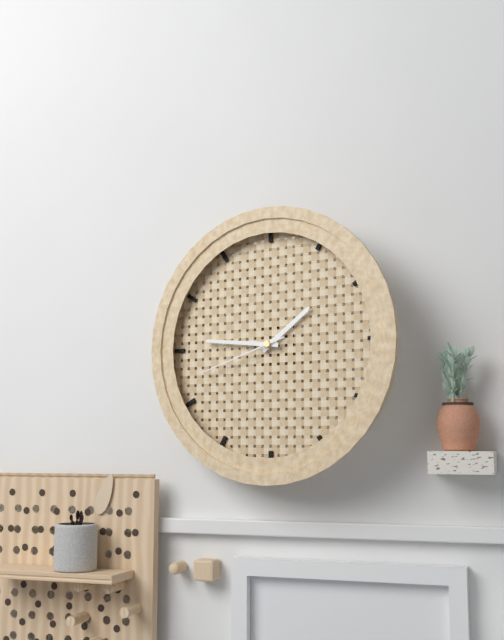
1:46:42
